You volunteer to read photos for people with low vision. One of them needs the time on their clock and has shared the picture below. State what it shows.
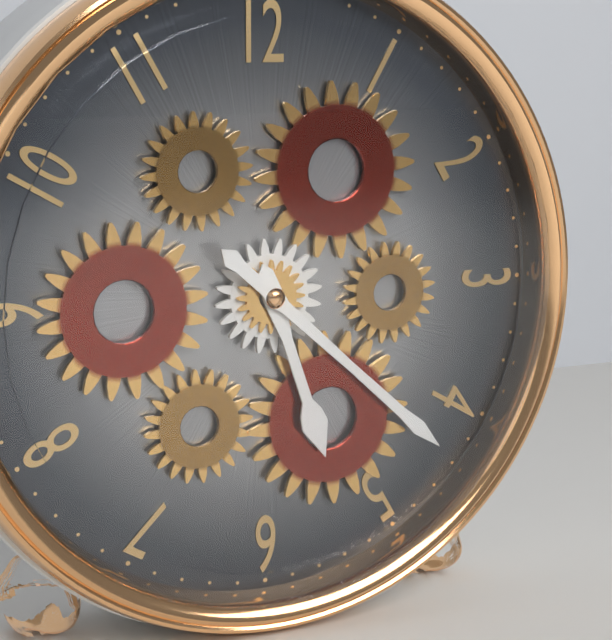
5:22
